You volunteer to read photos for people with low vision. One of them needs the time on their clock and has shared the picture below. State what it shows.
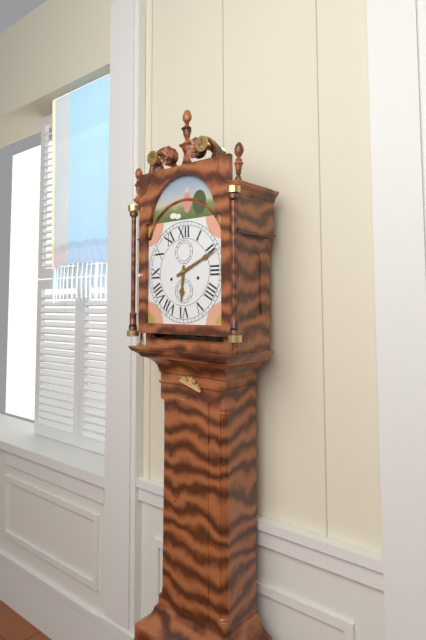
6:11
